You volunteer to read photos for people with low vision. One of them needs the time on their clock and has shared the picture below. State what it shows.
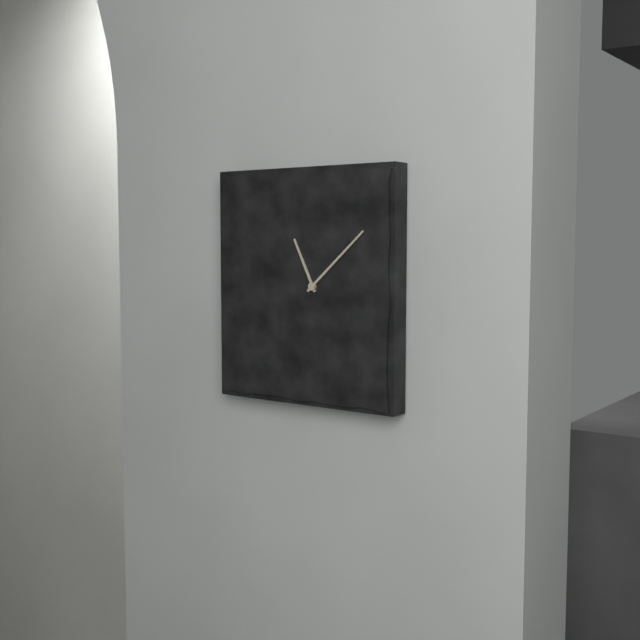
11:08
